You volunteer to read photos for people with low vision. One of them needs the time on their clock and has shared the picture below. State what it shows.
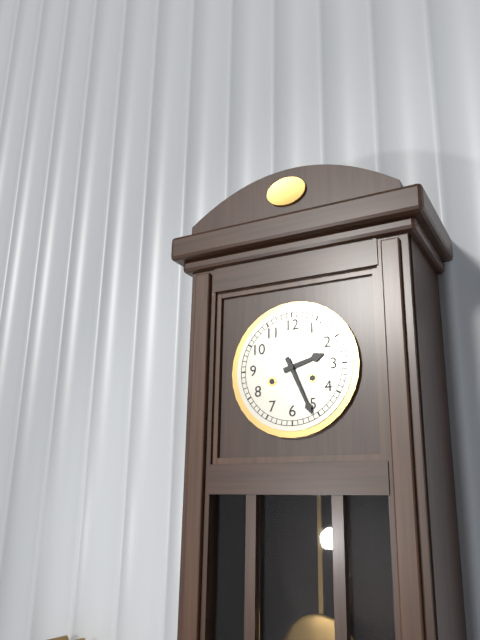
2:26
